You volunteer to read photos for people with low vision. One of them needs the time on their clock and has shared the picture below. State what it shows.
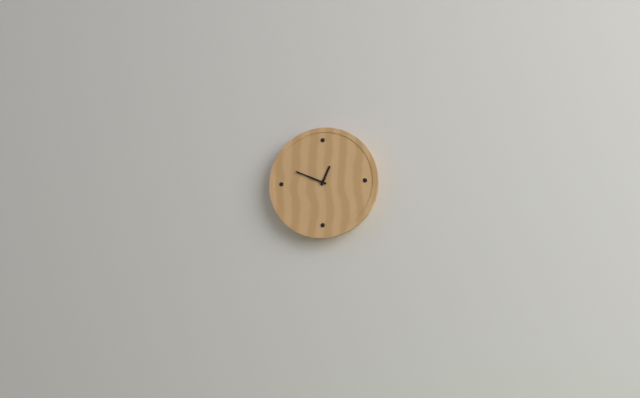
12:49
